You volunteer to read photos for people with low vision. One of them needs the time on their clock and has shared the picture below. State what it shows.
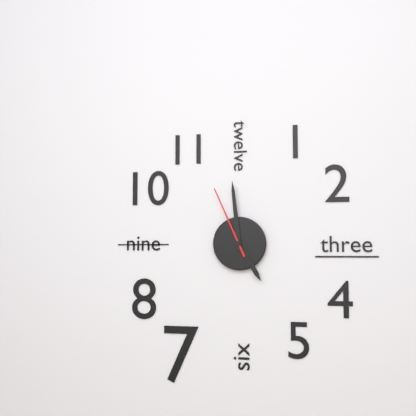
4:59:56
